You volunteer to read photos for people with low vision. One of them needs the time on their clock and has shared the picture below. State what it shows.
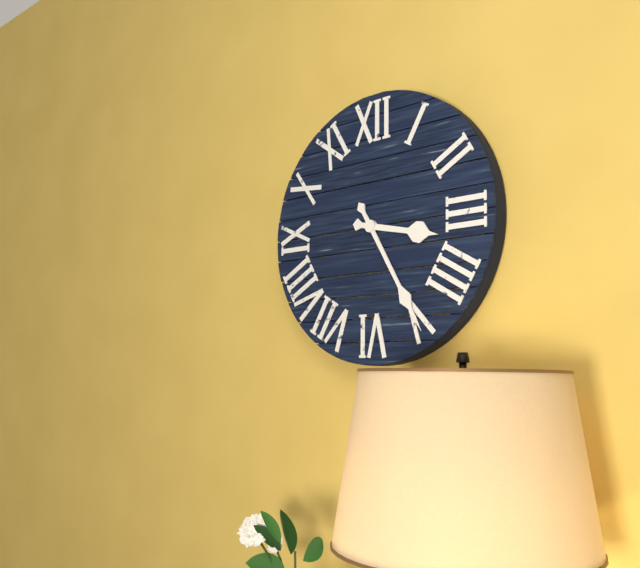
3:25
